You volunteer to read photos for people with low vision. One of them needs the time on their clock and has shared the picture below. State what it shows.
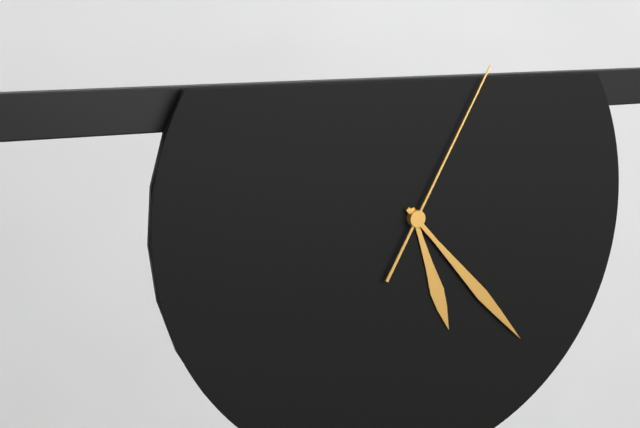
5:23:05
